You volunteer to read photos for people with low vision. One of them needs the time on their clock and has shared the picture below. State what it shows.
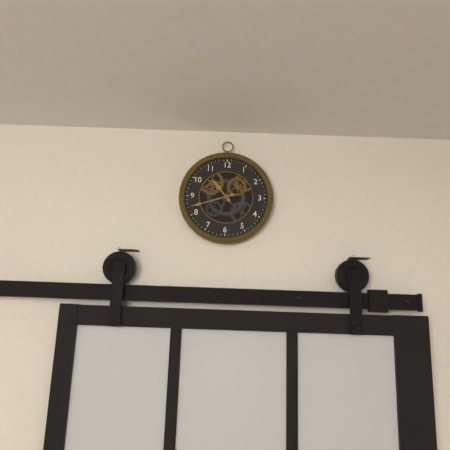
10:42
